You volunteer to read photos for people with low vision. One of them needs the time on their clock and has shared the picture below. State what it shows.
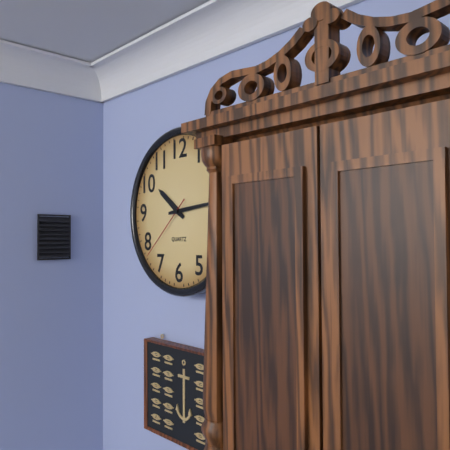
10:14:38
